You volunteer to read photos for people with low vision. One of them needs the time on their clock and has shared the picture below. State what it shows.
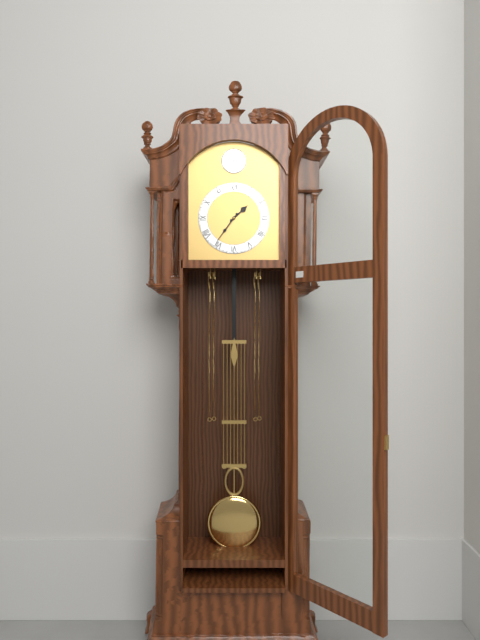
1:36
